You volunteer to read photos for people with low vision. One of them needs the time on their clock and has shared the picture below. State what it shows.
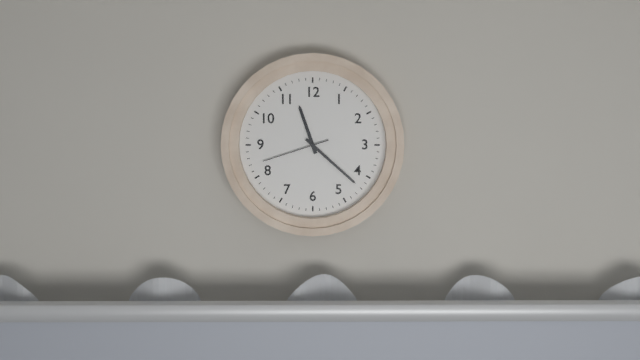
11:22:42
